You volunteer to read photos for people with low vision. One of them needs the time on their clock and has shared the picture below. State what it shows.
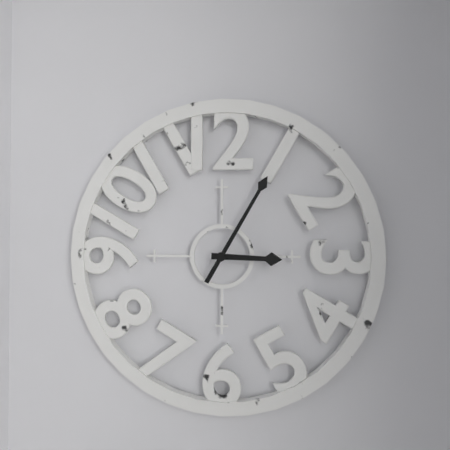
3:05
